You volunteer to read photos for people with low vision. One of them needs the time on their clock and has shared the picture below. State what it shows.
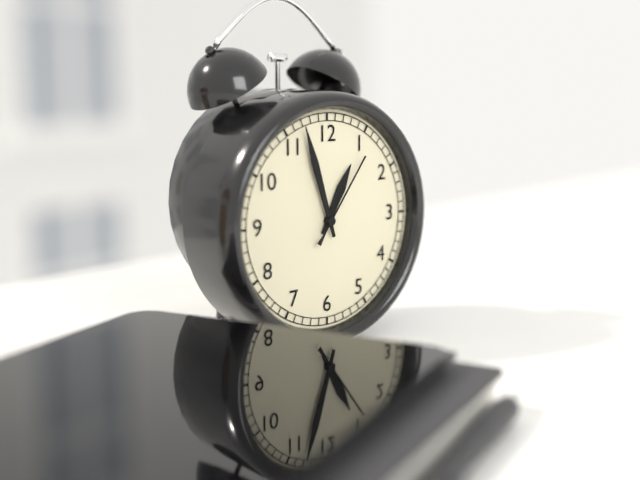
12:57:06
